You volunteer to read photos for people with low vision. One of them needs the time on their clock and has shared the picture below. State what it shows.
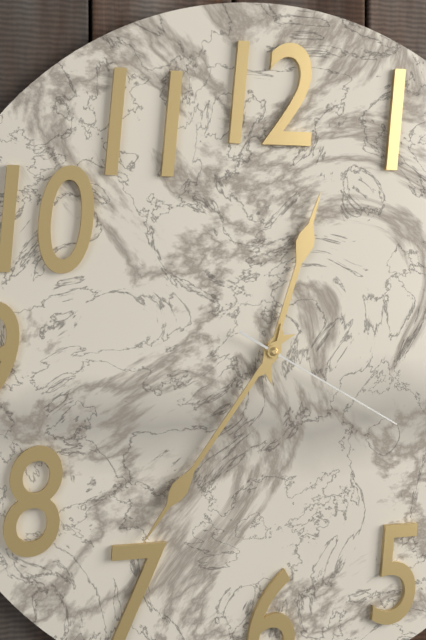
12:36:20
